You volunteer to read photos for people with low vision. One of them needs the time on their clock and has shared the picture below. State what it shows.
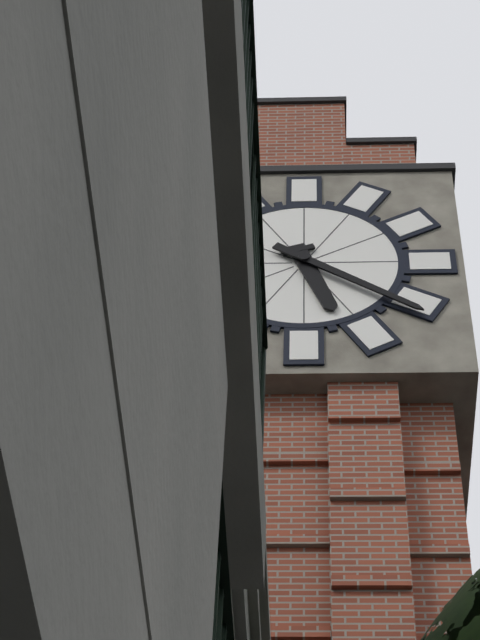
5:21
